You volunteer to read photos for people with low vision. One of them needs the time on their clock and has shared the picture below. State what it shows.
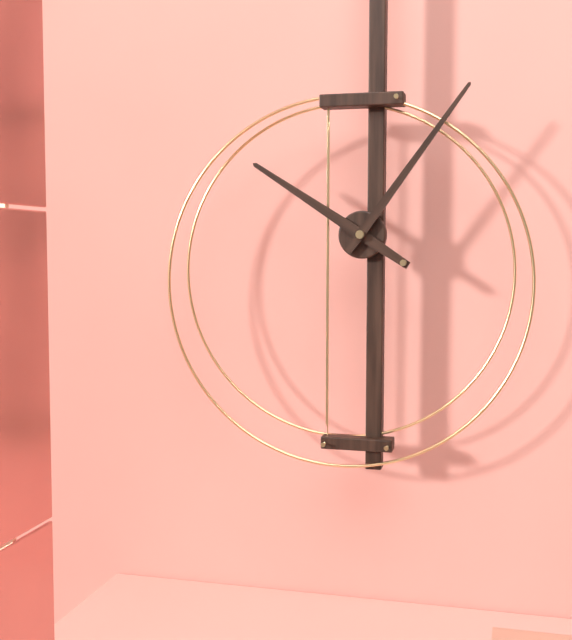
10:06
